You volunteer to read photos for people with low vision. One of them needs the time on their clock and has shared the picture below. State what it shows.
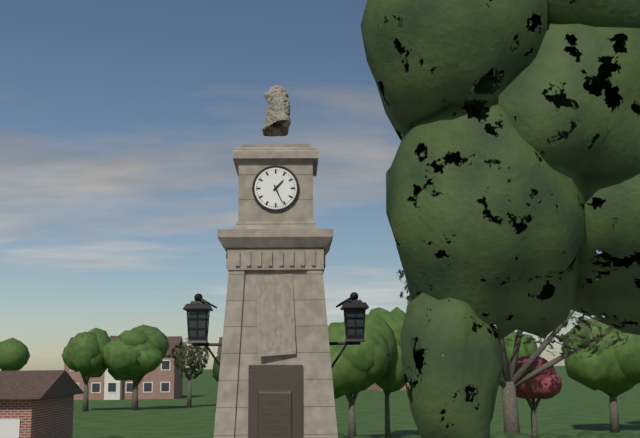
1:26
